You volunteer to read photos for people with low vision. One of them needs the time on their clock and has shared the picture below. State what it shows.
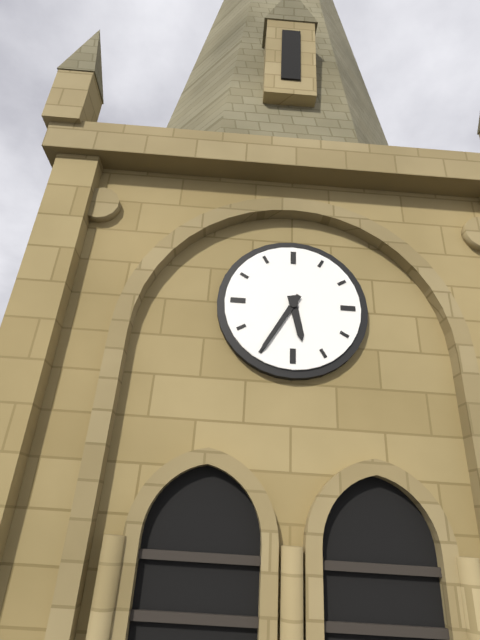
5:35
